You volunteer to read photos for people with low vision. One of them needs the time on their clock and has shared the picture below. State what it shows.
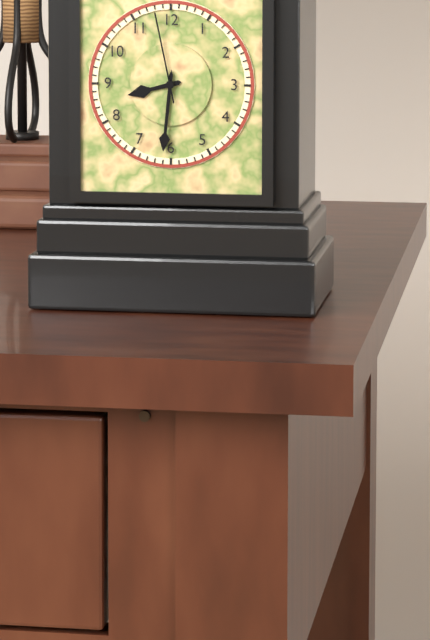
8:31:58
